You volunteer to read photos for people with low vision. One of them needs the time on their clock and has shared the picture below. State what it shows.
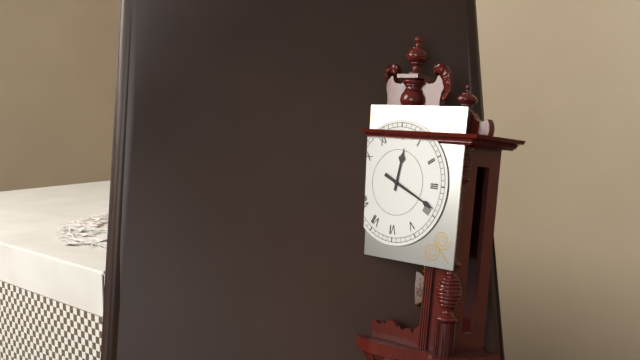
12:19
